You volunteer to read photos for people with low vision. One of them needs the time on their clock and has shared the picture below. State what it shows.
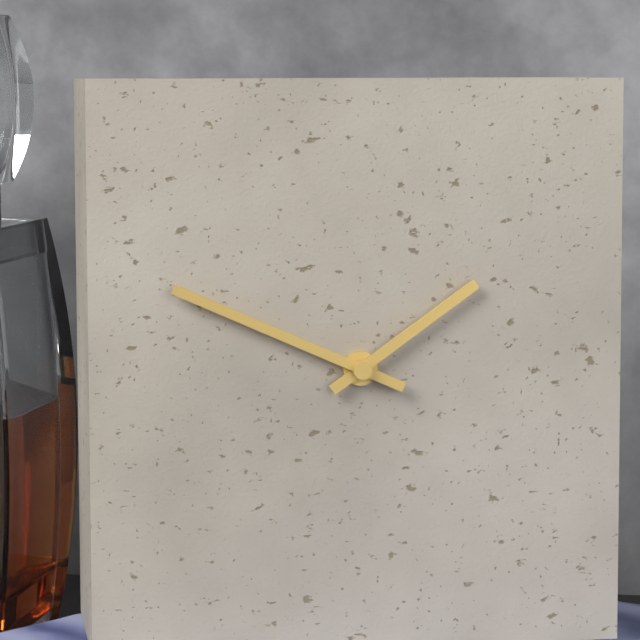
1:49
